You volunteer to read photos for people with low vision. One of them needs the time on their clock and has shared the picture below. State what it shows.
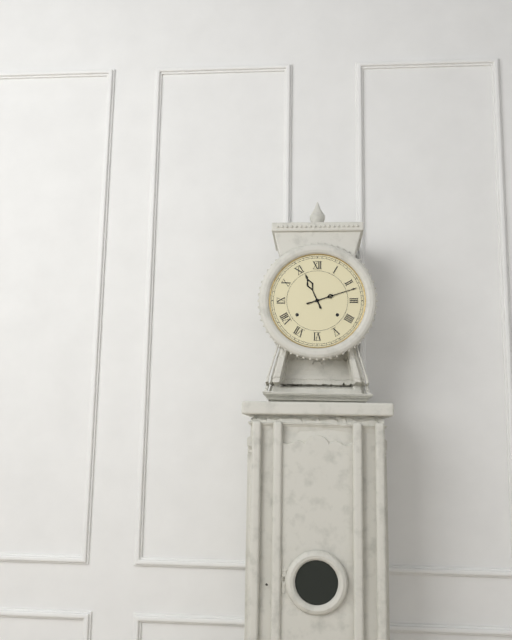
11:12
